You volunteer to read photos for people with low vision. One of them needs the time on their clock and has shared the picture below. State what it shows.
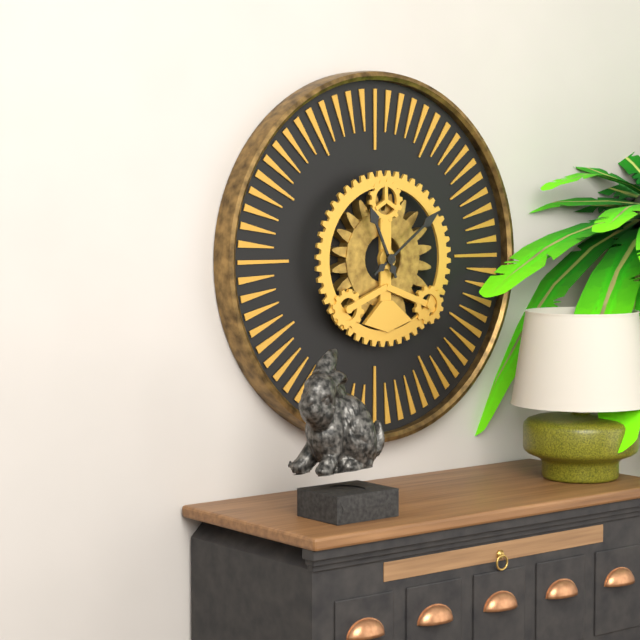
11:09
